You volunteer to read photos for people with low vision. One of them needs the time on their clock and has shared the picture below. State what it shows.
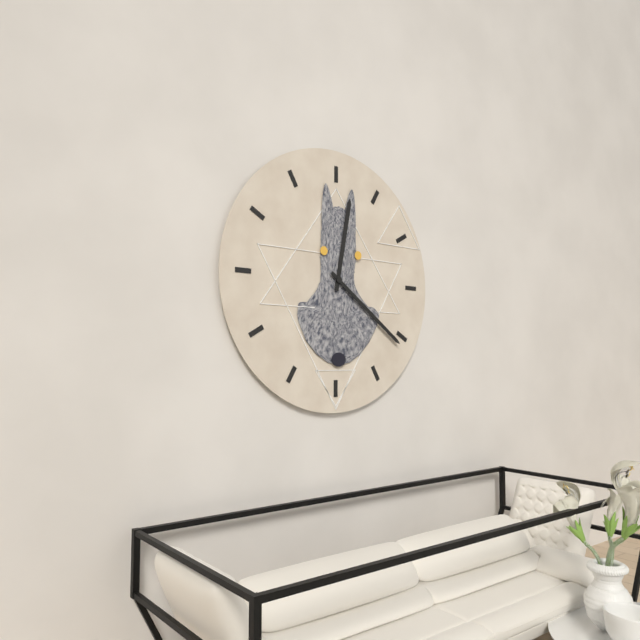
12:21
